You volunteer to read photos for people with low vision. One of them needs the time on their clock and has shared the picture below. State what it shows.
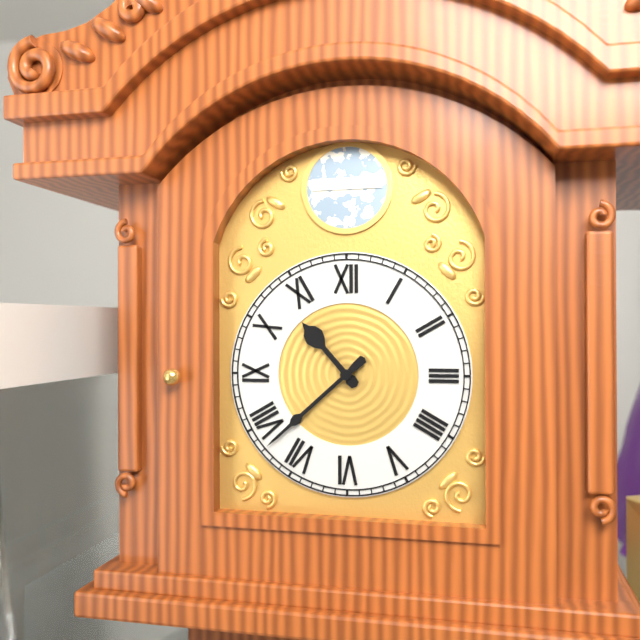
10:38
